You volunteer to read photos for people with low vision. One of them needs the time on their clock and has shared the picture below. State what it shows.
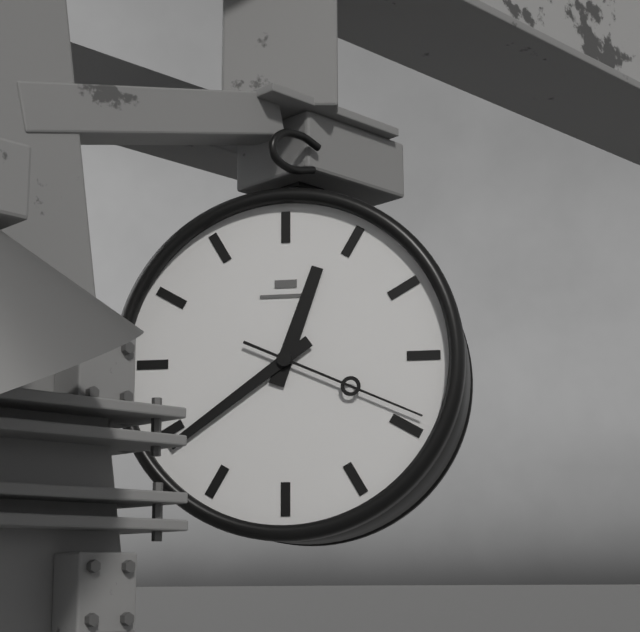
12:39:19
